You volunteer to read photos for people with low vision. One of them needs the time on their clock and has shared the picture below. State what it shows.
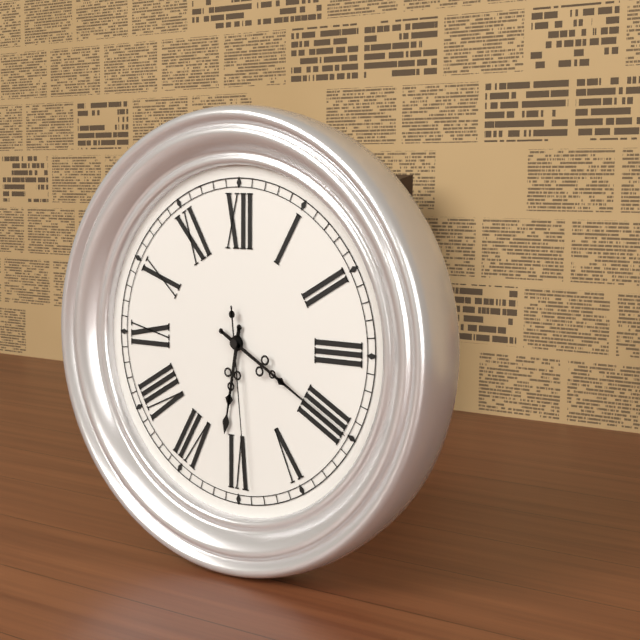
6:20:29
